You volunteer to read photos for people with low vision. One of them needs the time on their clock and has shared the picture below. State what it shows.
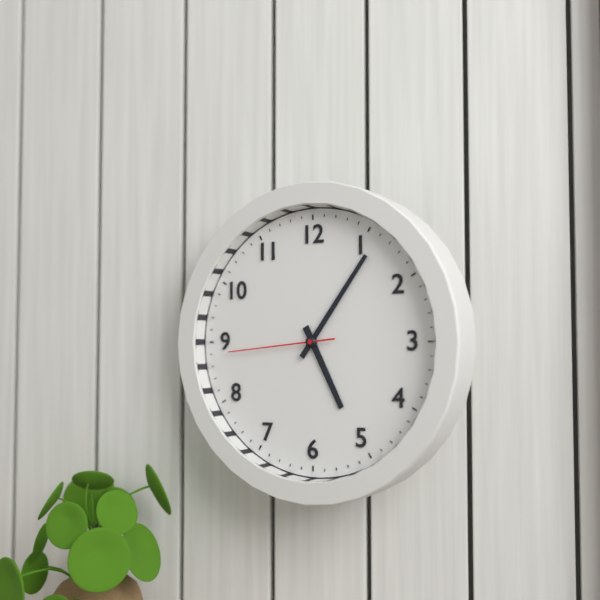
5:06:44
